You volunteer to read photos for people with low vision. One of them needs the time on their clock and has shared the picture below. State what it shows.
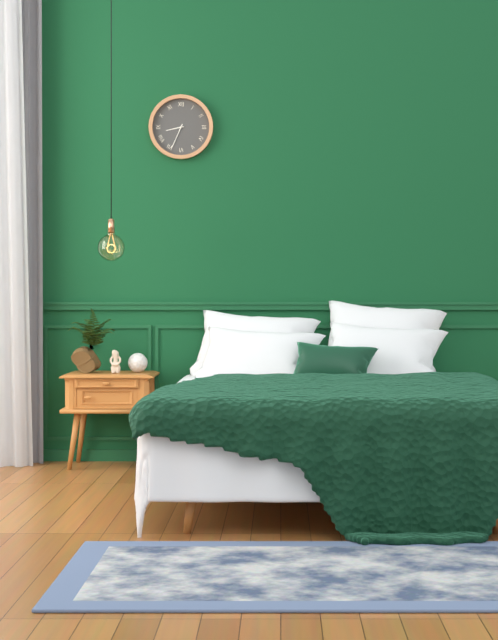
8:34
